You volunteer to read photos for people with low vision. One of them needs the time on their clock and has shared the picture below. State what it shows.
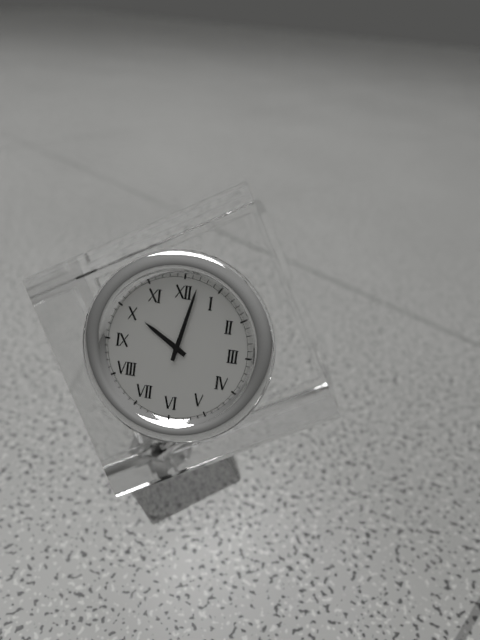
10:02
